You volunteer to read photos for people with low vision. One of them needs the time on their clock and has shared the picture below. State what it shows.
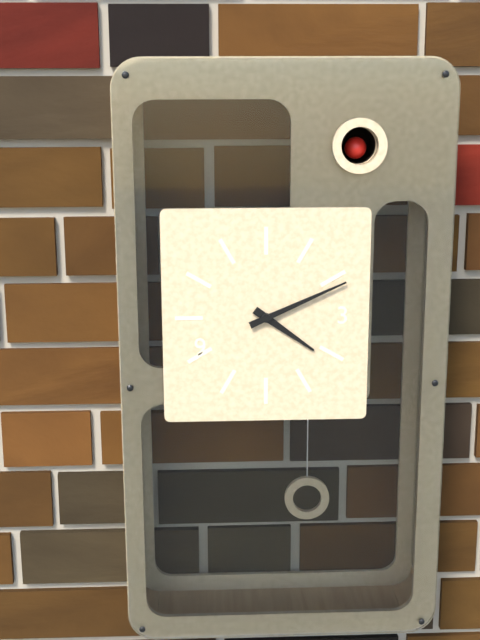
4:11
